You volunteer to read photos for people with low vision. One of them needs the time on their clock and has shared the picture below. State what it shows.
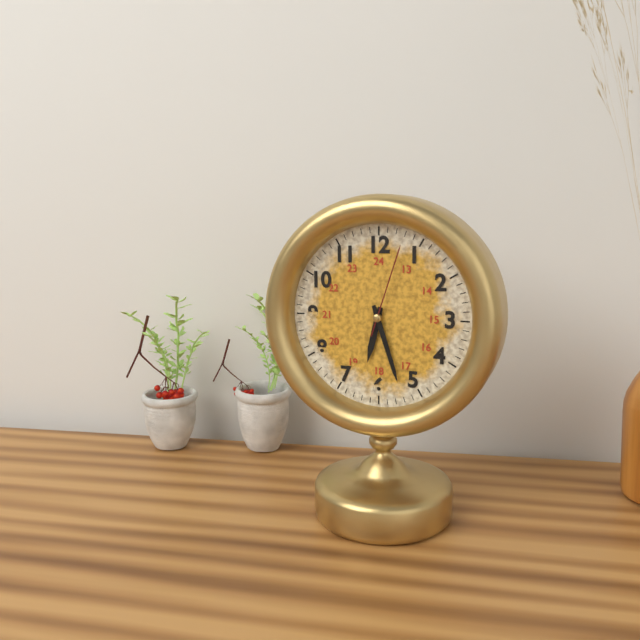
6:27:03
